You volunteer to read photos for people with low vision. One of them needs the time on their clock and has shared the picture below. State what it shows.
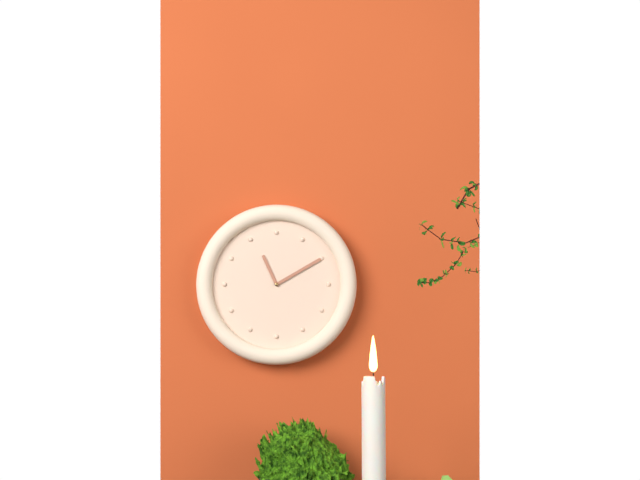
11:10
